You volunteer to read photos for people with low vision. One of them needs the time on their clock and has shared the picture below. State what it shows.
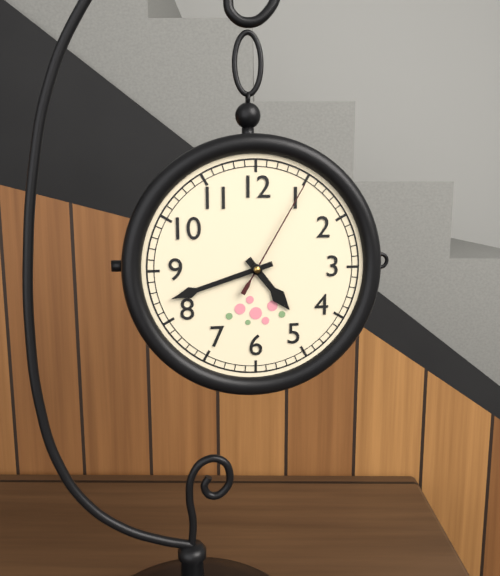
4:42:05
